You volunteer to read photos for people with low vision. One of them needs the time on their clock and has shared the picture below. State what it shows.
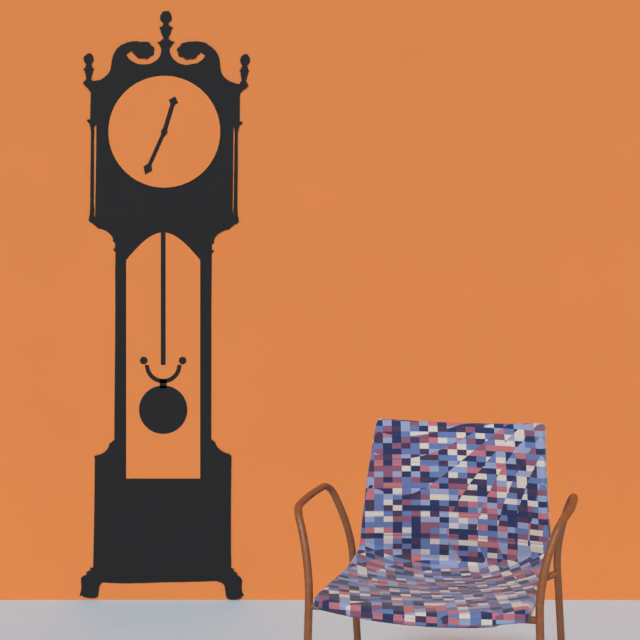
12:34
